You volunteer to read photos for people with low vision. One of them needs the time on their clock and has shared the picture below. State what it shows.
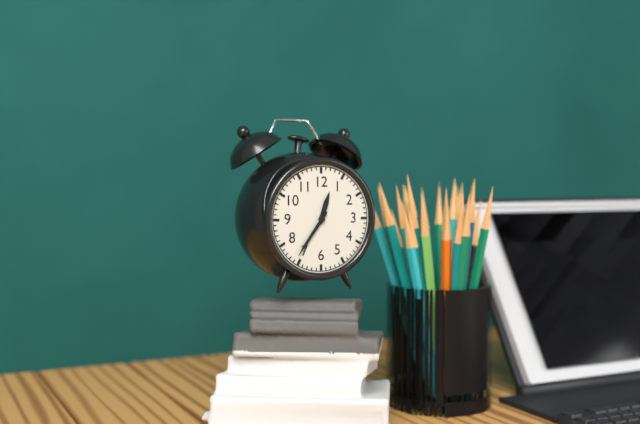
12:36
